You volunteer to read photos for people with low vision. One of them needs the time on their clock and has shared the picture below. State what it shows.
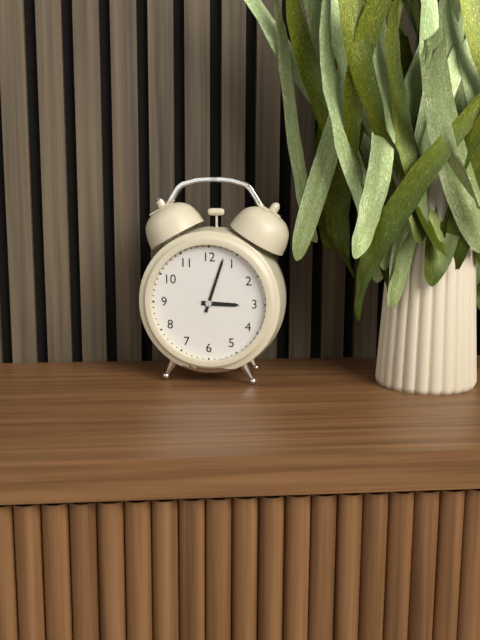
3:03
